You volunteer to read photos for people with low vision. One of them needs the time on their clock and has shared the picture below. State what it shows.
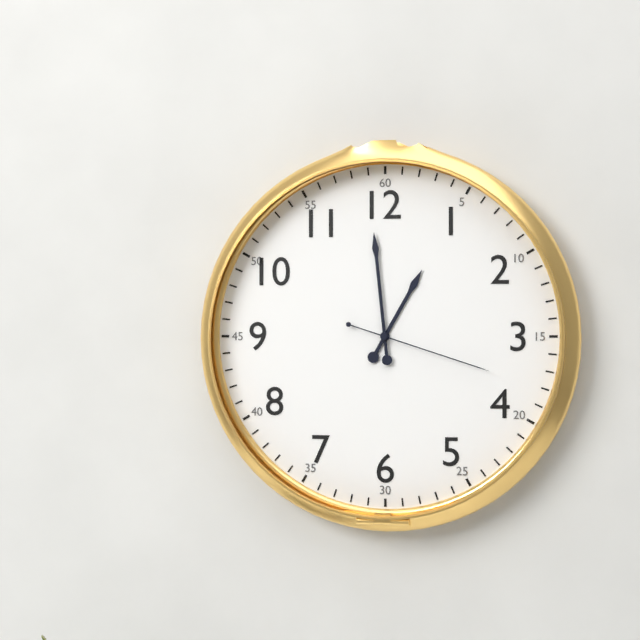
12:59:18
